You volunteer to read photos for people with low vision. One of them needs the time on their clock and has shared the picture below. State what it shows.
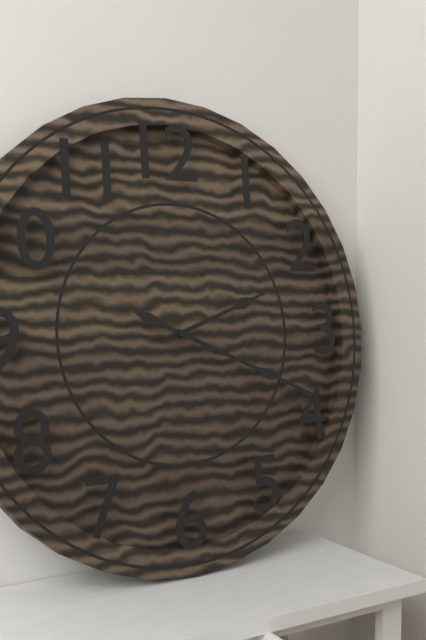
2:19
